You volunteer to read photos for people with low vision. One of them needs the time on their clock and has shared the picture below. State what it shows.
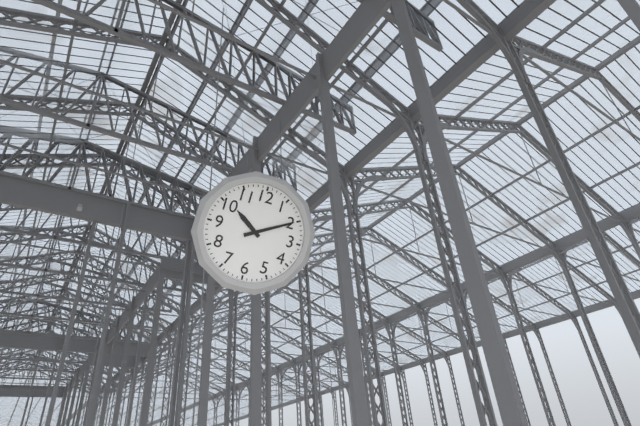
10:10
